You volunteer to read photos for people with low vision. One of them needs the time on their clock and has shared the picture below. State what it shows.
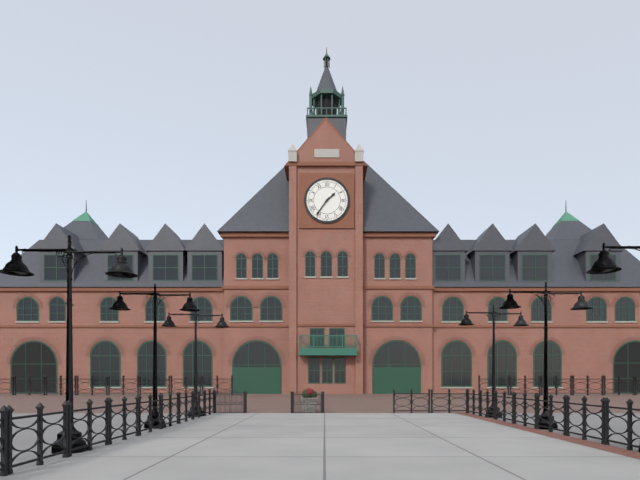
1:36
